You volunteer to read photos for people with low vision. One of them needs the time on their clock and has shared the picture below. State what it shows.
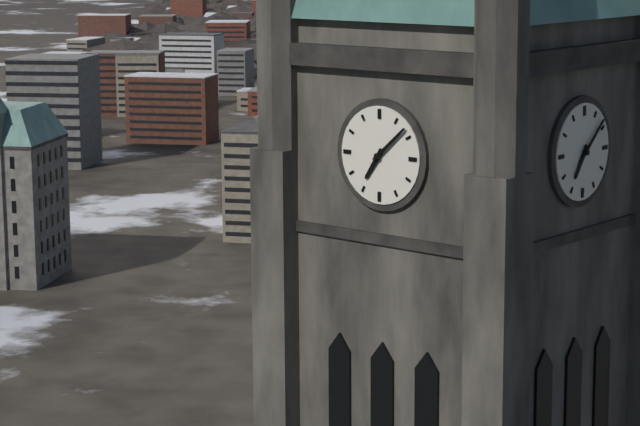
7:08
